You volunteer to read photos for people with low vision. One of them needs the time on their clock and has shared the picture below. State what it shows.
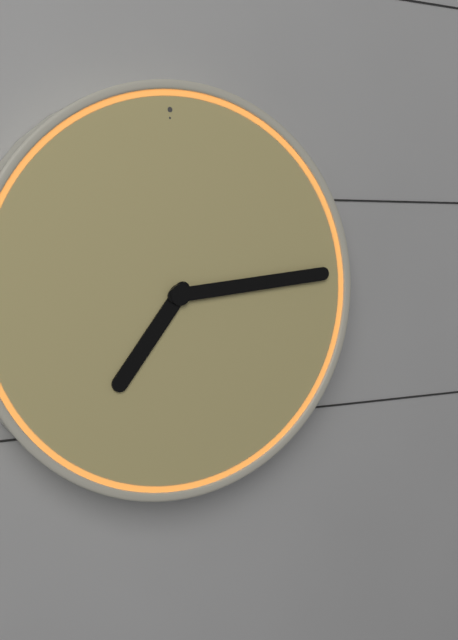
7:14
